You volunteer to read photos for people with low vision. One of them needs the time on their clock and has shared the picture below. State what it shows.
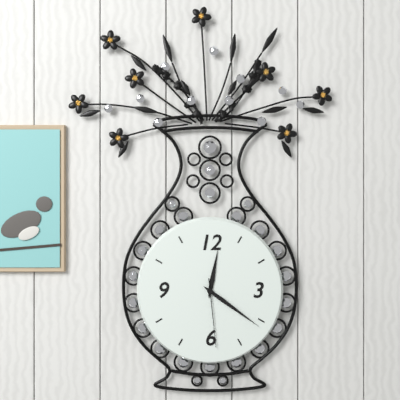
12:21:29
